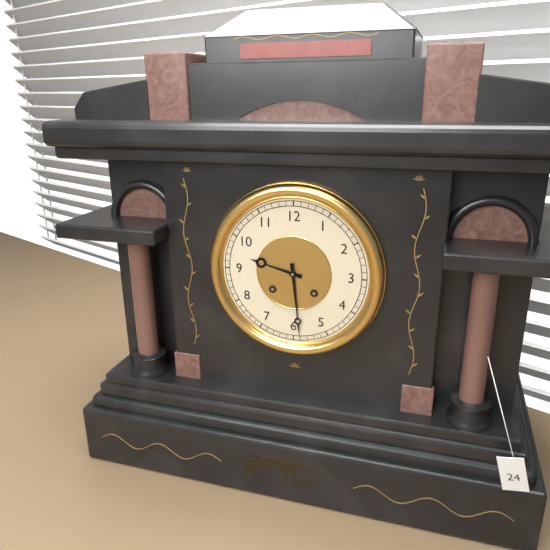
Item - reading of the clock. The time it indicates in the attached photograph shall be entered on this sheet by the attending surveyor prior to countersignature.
9:29
